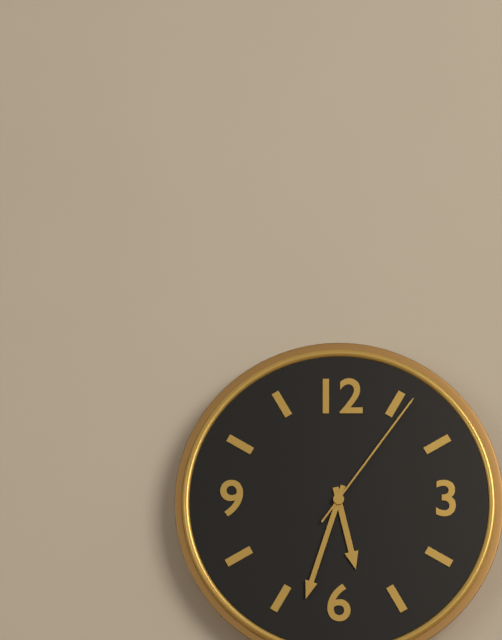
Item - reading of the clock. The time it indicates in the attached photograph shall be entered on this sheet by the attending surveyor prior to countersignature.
5:33:06
